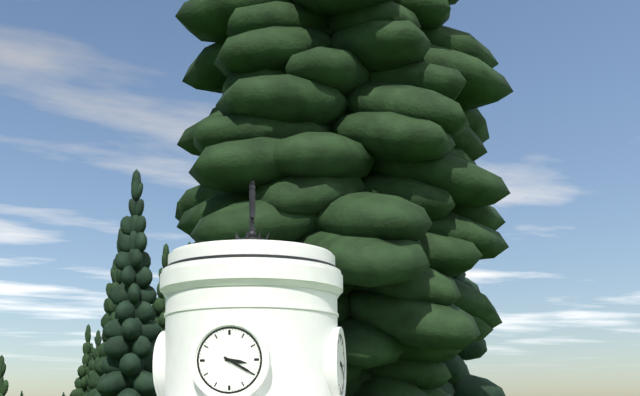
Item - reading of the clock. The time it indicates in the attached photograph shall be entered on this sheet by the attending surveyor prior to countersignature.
3:20
